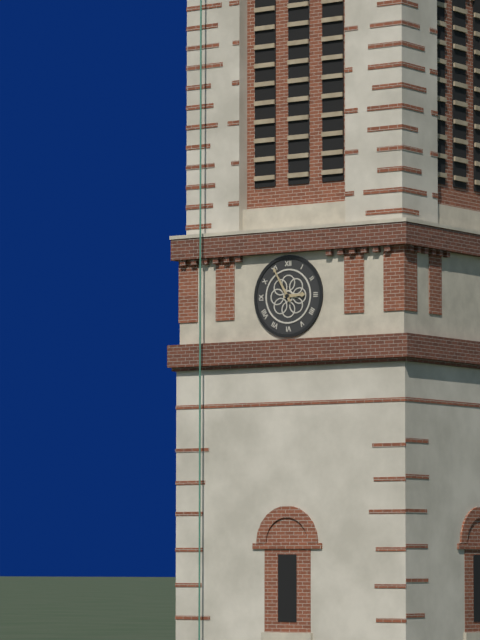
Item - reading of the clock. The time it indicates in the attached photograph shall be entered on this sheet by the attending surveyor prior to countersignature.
2:55
